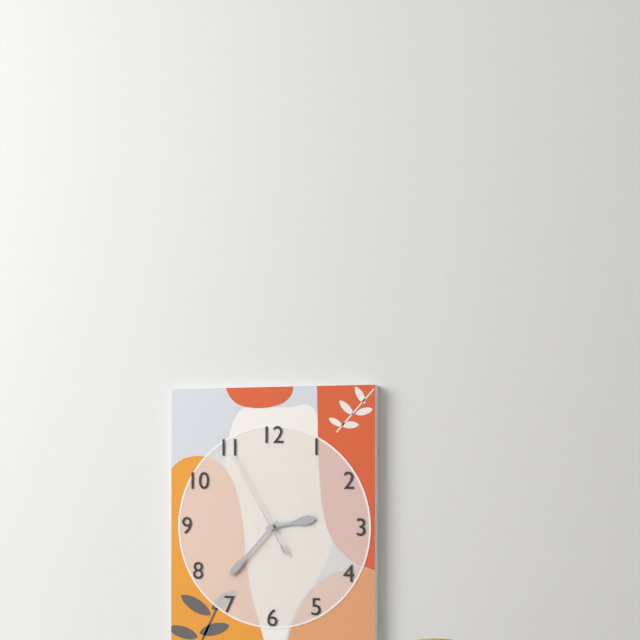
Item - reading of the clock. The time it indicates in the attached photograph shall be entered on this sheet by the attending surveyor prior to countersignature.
2:37:55
